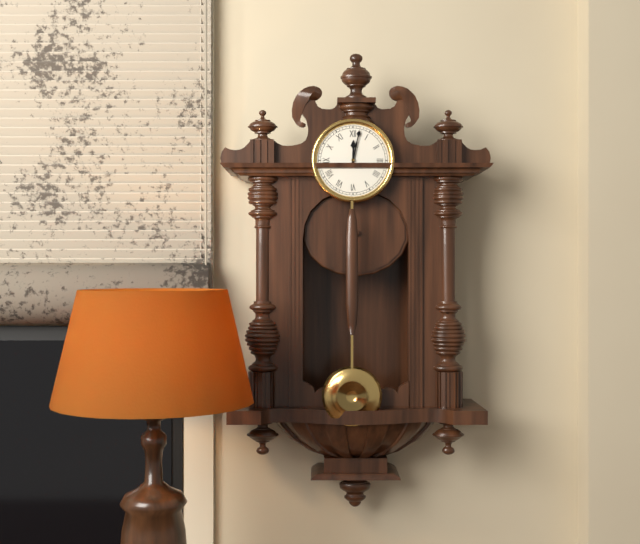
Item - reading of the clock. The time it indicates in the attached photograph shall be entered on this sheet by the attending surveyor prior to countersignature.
12:02
